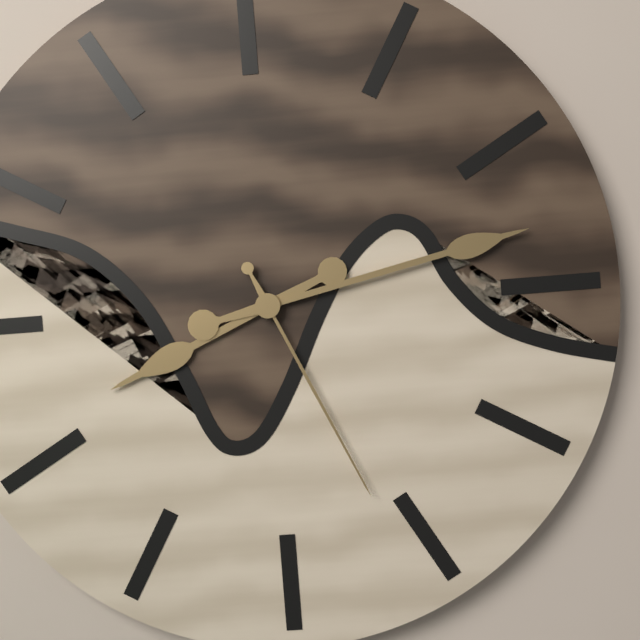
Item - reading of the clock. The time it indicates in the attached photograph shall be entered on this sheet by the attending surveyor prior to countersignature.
8:13:26
